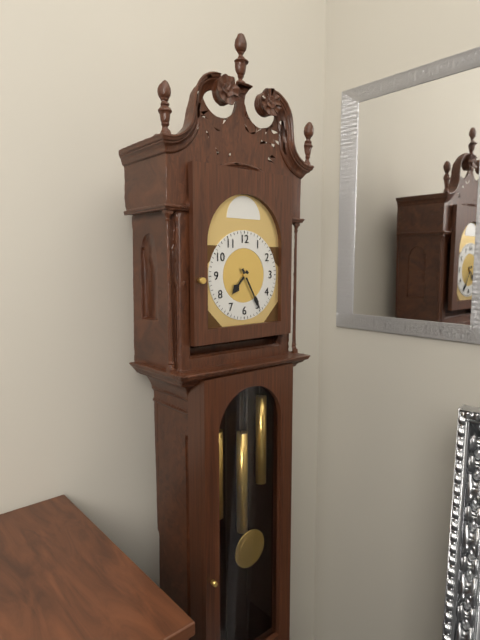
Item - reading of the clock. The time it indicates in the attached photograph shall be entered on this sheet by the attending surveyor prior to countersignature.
7:25
